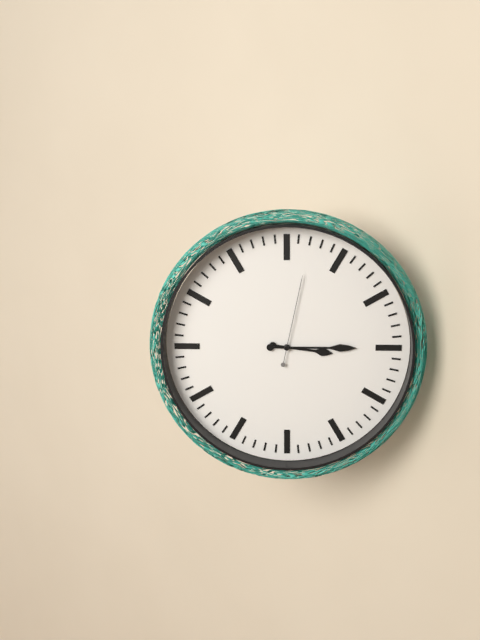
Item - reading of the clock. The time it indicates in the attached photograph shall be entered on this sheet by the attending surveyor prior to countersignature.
3:15:02
